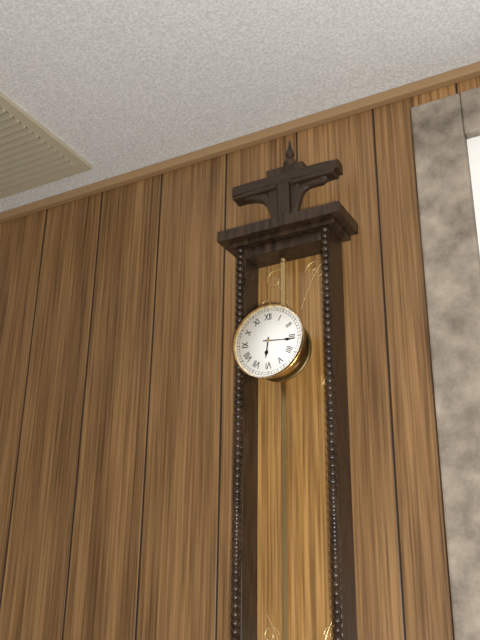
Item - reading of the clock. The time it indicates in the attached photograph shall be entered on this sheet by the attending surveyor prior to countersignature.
6:16
